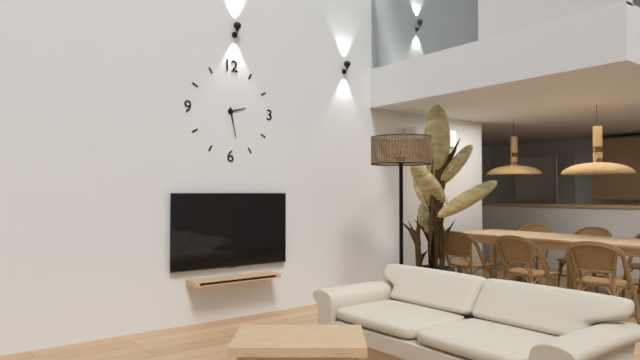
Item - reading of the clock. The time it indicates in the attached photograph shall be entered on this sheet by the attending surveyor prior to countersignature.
2:28
